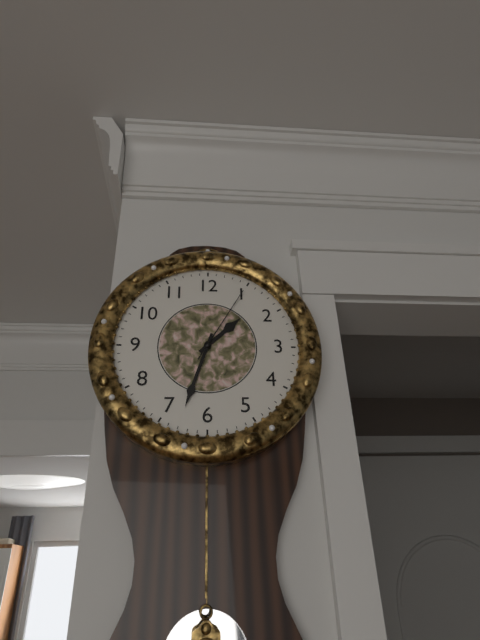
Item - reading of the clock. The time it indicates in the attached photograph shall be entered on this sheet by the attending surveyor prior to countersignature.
1:33:05
